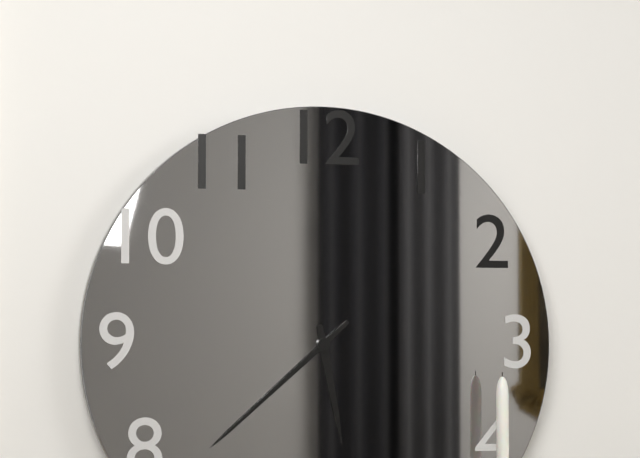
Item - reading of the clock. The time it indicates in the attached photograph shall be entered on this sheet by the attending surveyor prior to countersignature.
5:38
